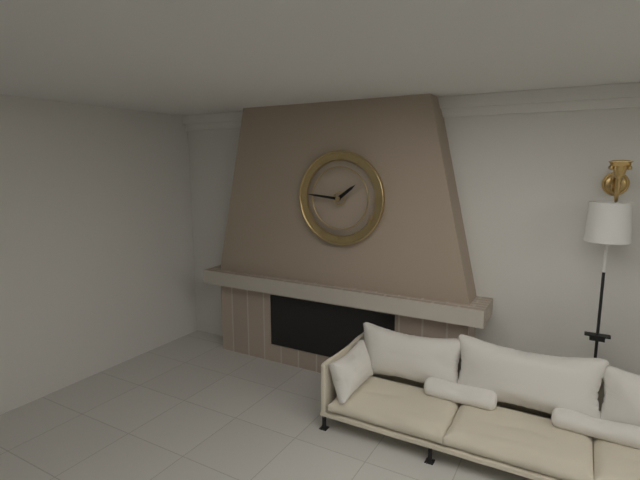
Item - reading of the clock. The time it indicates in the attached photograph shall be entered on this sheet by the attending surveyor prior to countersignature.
1:46
